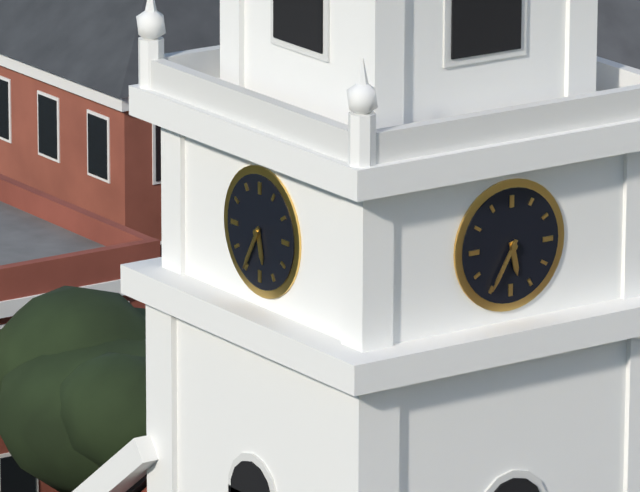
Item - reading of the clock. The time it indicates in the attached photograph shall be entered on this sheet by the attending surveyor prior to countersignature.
5:35
